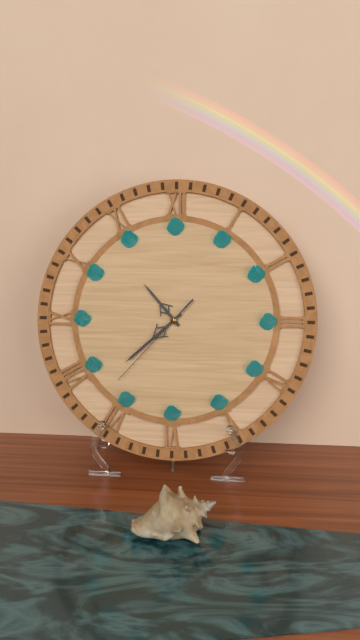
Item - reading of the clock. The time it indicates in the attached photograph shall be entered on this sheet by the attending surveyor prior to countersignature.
10:38:37
